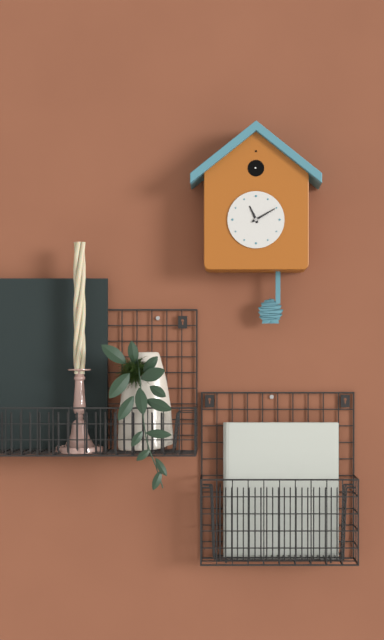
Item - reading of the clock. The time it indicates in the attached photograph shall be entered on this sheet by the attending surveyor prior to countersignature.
11:10
